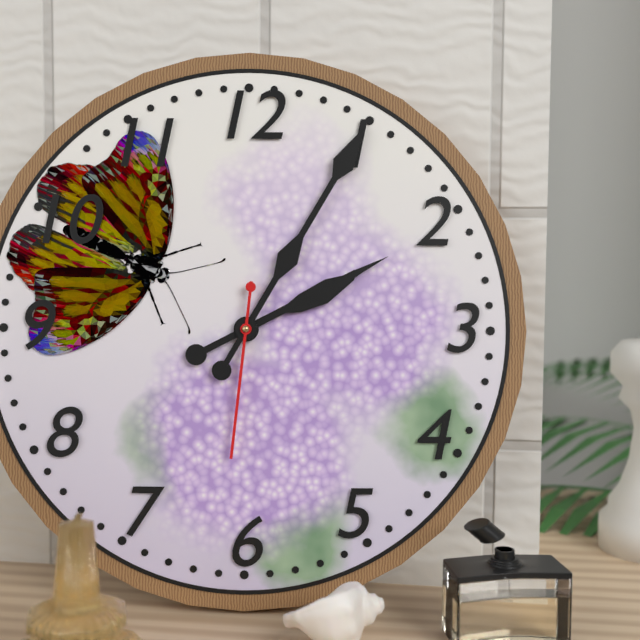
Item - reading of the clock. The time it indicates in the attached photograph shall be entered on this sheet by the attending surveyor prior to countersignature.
2:05:31
